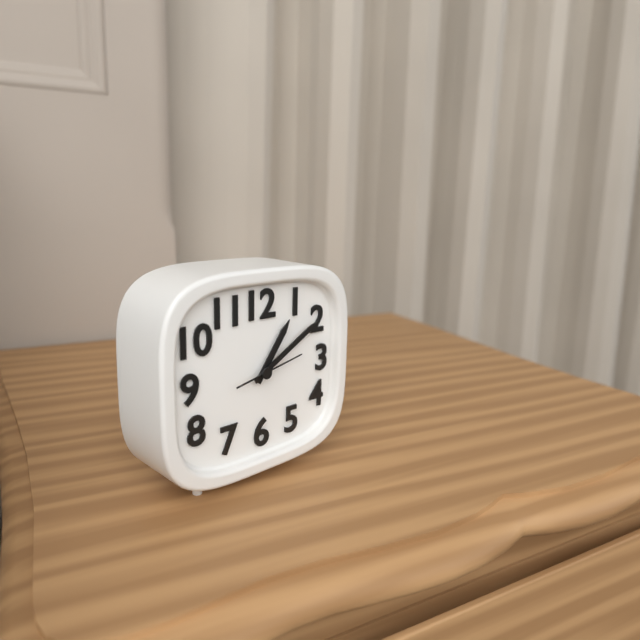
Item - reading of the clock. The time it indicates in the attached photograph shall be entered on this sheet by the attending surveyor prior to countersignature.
1:10:13
